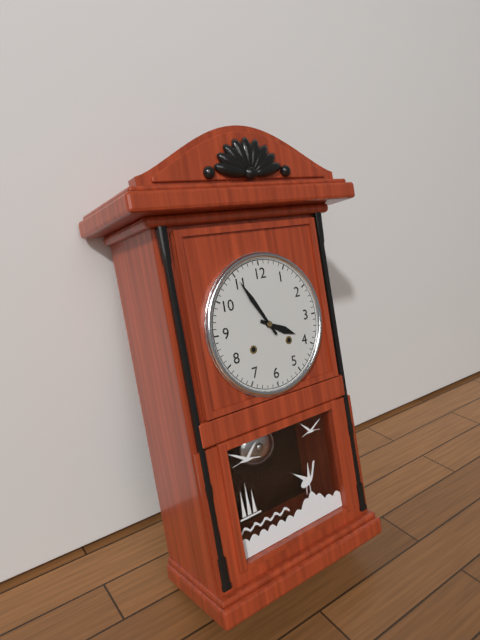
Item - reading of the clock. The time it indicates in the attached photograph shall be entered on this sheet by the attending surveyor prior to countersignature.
3:55
